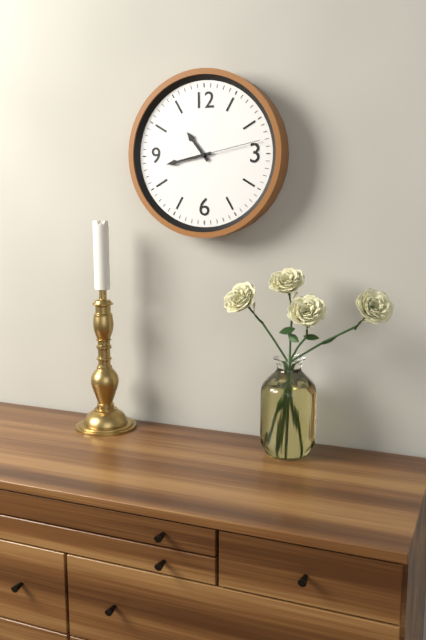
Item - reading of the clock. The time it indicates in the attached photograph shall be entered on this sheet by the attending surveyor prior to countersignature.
10:43:13
